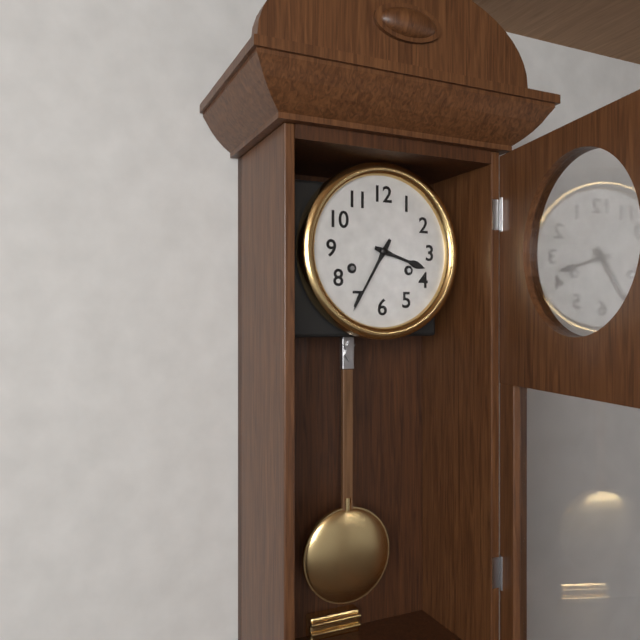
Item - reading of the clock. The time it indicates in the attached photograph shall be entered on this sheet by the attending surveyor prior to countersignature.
3:35
